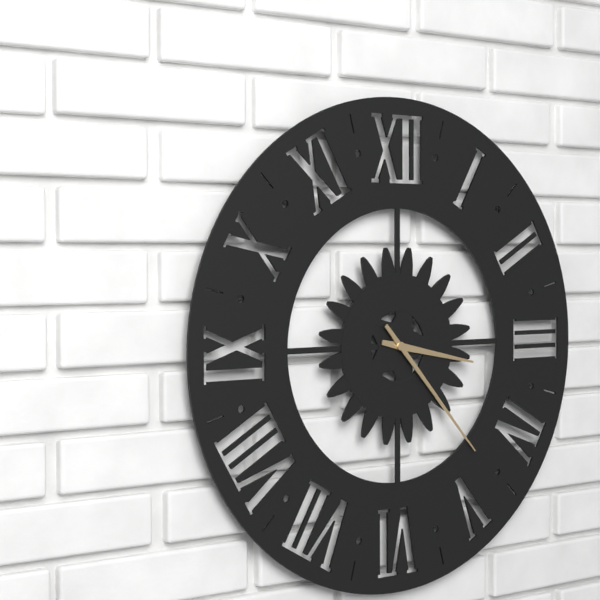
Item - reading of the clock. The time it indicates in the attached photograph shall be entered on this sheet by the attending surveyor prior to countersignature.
3:23
